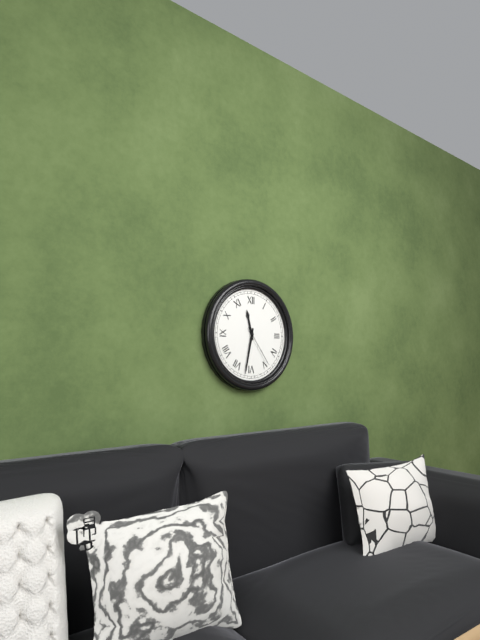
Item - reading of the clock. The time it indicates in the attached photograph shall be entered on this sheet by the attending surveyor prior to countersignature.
11:32
